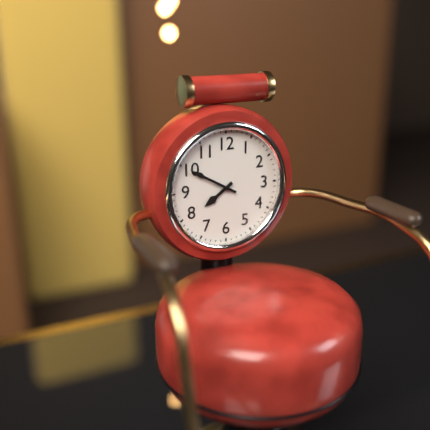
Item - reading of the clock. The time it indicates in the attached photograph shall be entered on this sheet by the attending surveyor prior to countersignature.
7:50
